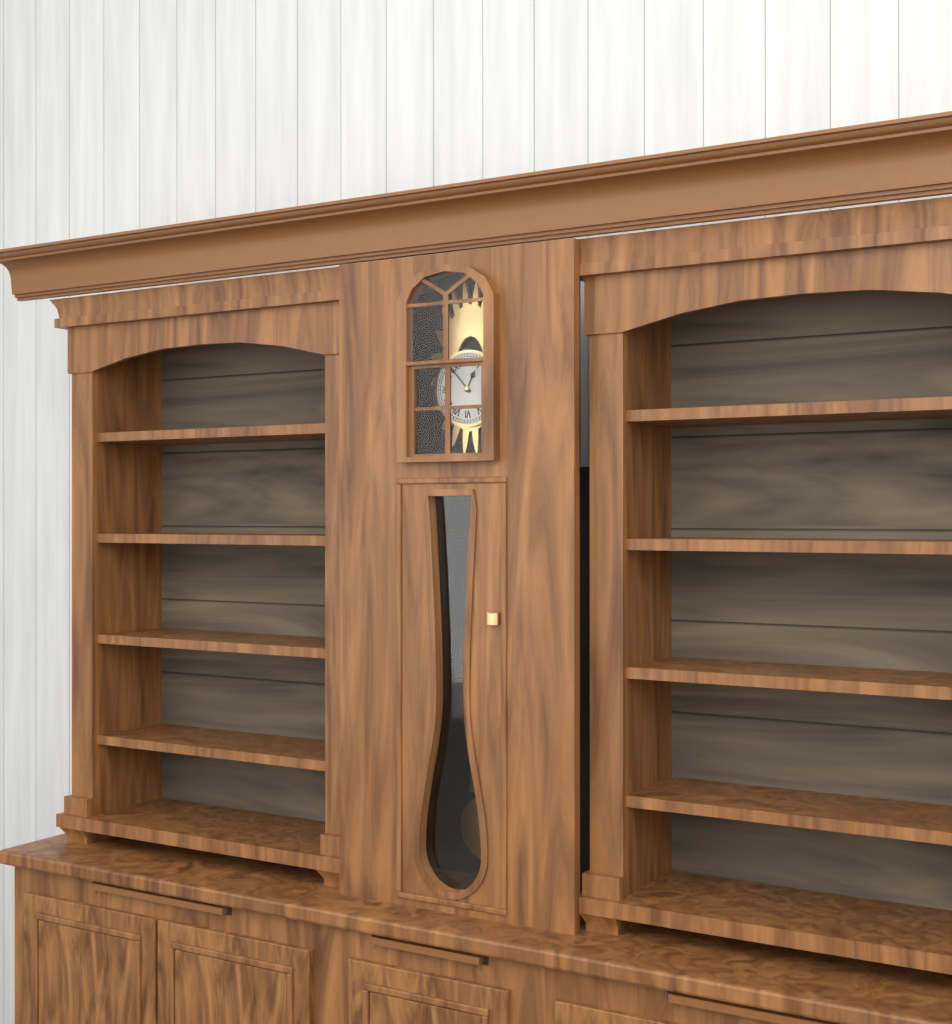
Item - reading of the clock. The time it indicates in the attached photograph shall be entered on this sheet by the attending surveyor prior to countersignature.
12:53
